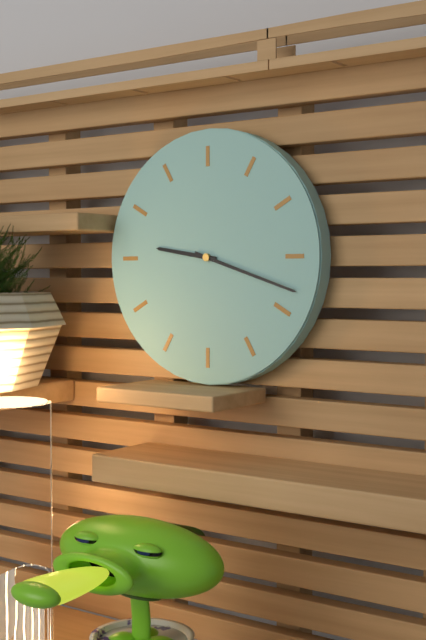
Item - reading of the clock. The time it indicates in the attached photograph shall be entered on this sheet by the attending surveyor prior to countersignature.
9:18
